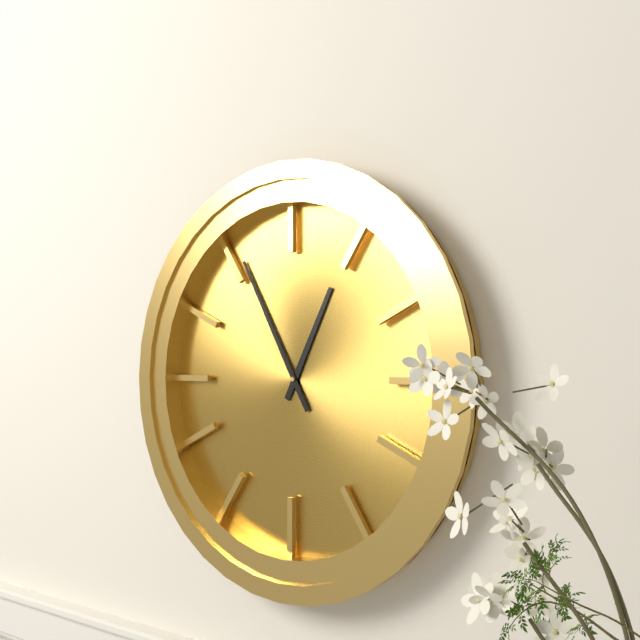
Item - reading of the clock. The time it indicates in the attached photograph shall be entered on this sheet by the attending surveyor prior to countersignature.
12:55
